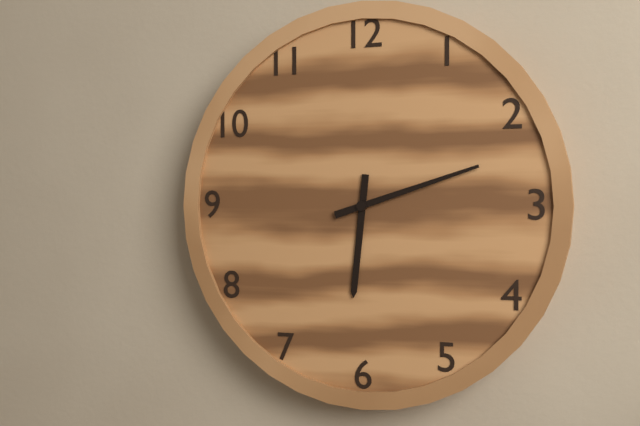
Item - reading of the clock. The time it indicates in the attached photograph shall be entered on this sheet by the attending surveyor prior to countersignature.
6:12
